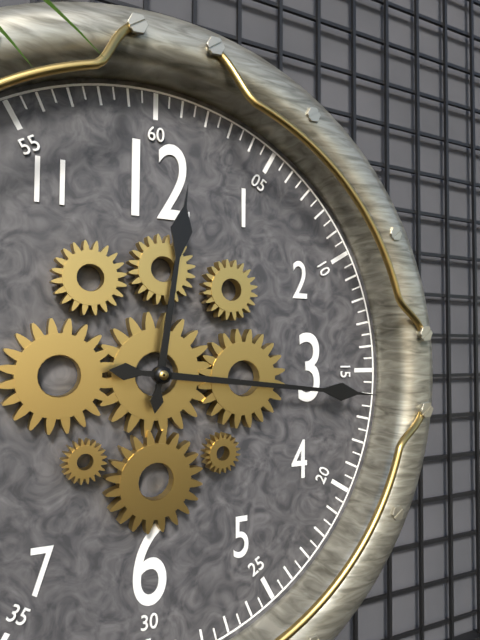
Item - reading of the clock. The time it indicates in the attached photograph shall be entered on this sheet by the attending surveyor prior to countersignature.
12:16
